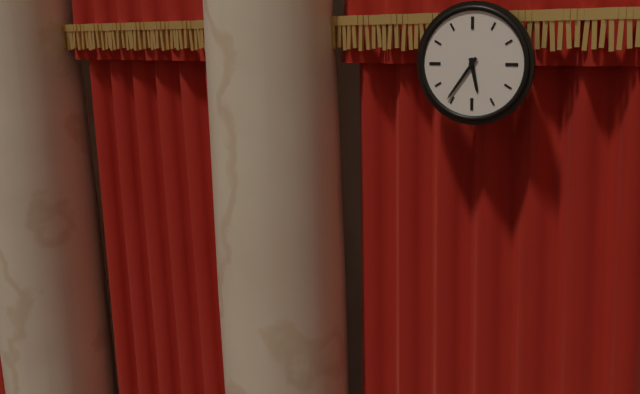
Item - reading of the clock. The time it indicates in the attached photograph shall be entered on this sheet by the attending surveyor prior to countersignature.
5:36
